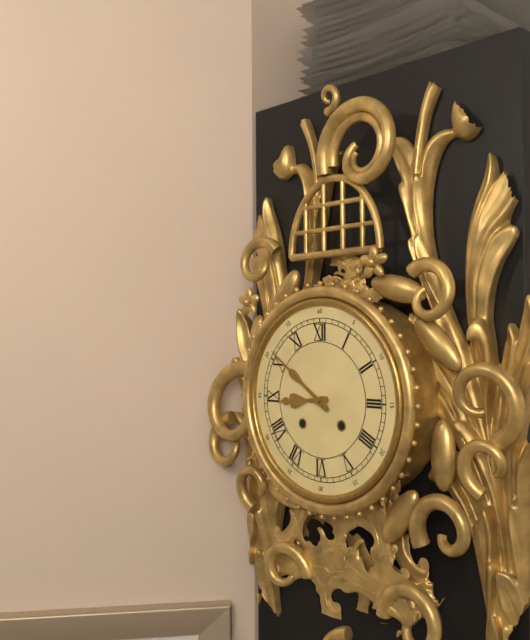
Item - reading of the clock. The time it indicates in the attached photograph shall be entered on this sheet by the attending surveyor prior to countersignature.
8:51
